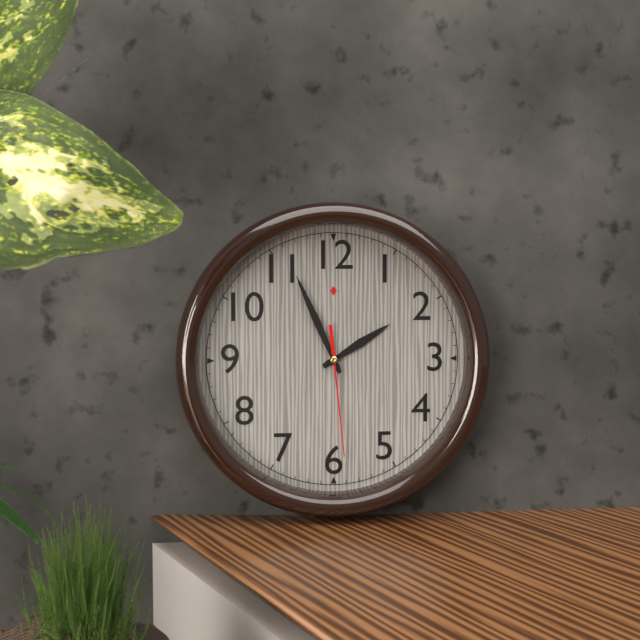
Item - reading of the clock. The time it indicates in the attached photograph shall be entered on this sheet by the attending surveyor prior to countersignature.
1:56:29
